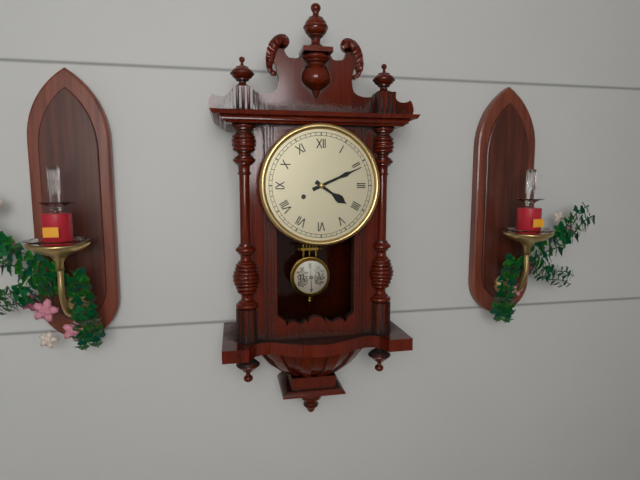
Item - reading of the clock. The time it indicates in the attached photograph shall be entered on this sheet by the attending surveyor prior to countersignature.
4:11
